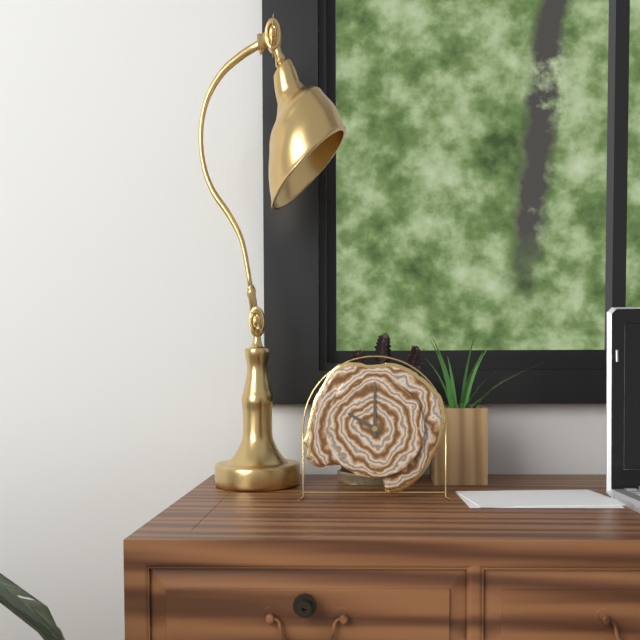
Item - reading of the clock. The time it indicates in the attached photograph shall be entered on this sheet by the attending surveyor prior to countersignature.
10:00
